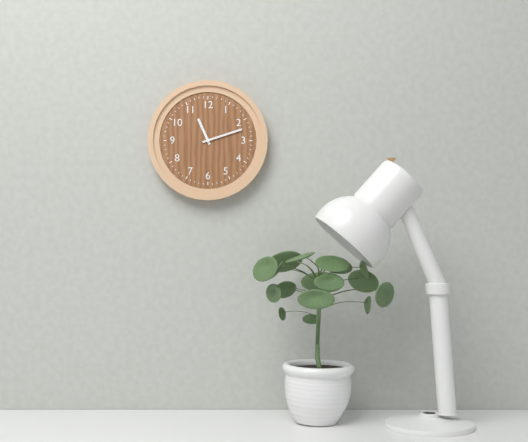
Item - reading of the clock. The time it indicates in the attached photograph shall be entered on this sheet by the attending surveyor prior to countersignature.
11:12
